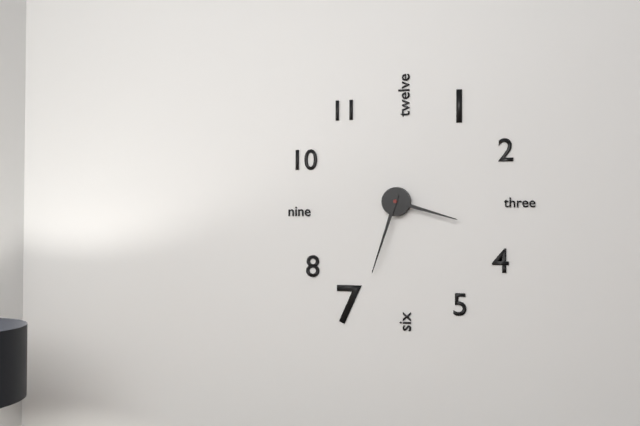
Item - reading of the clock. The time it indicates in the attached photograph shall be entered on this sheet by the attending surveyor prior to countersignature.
3:33
